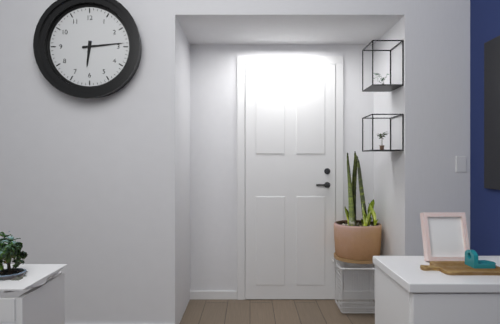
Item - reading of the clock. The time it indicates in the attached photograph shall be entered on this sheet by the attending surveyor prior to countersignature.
6:14
